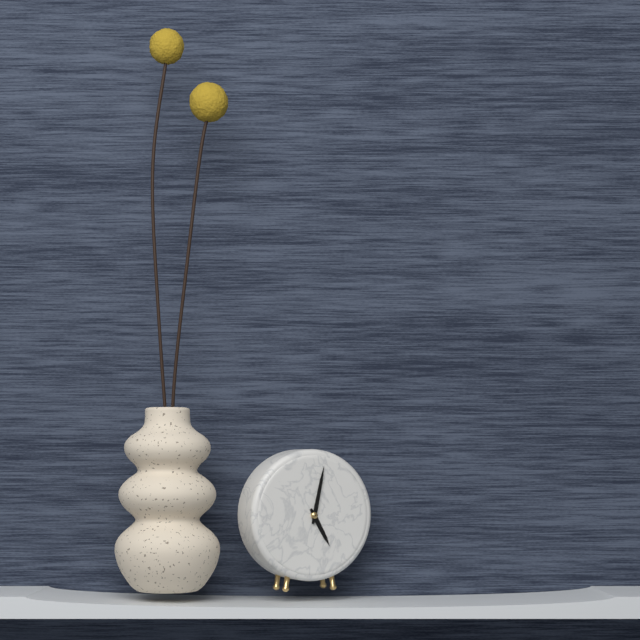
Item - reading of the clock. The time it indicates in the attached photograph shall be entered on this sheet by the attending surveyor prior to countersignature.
5:02
